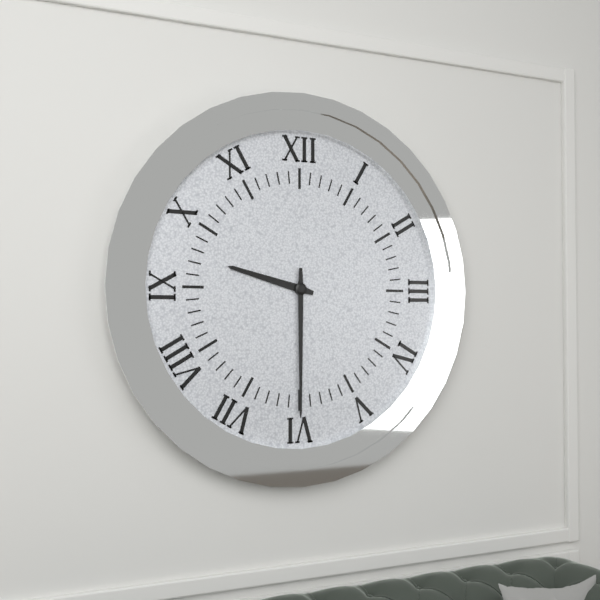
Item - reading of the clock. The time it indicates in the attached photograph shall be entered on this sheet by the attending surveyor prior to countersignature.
9:30
